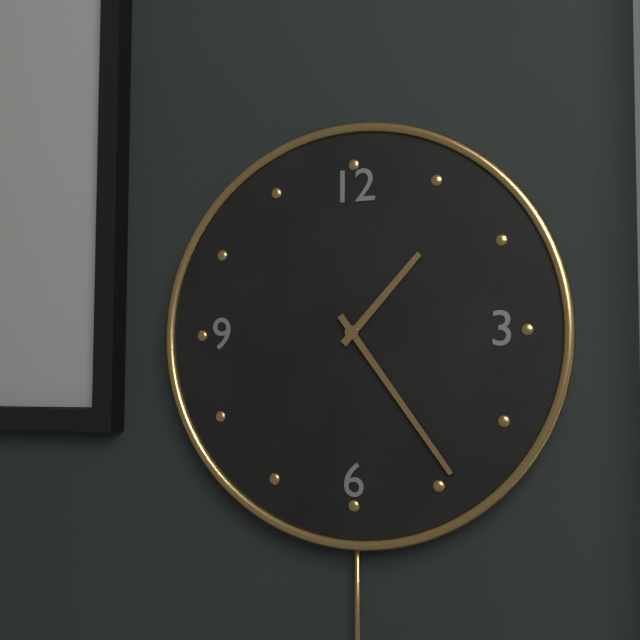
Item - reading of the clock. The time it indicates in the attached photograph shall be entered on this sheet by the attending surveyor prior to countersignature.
1:24
